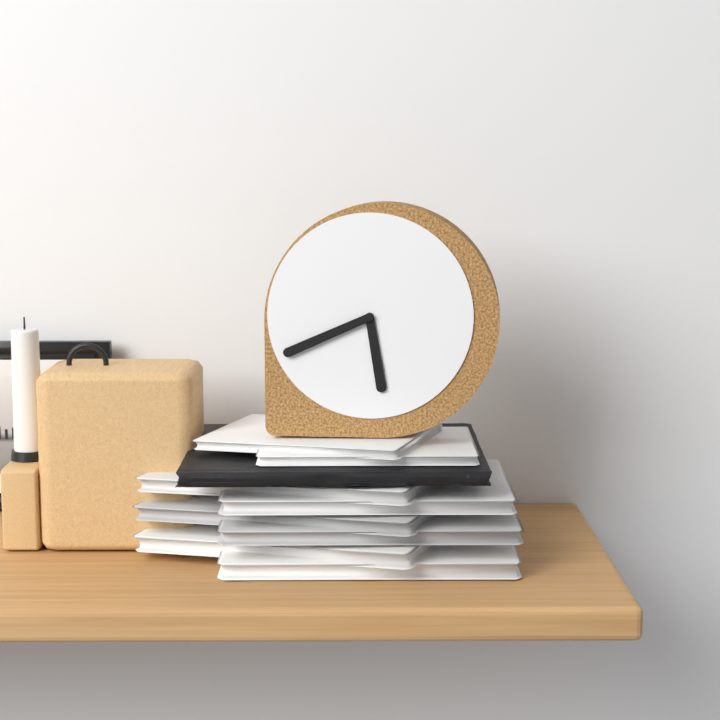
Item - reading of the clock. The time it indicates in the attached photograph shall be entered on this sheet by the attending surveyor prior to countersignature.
5:41
